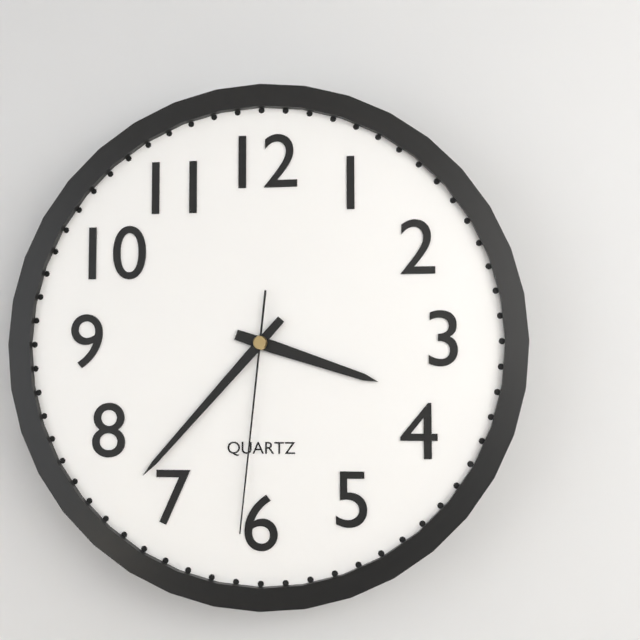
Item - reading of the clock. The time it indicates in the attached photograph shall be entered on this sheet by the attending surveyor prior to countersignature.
3:37:31
